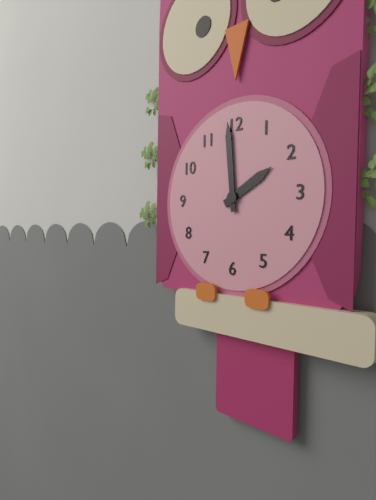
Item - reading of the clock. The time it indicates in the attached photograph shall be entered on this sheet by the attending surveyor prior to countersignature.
1:59
